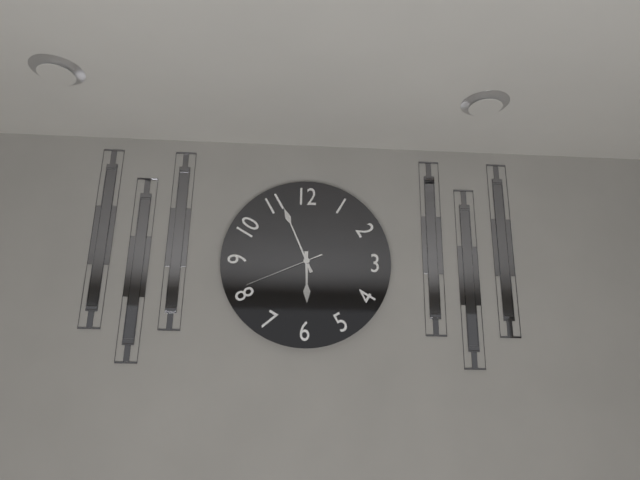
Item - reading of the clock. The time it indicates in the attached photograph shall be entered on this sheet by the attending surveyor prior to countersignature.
5:56:41
